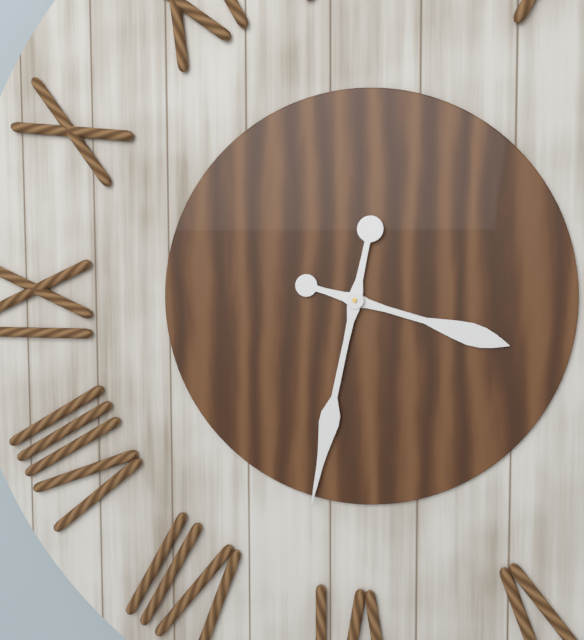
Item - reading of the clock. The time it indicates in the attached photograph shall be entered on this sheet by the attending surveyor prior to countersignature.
3:32
